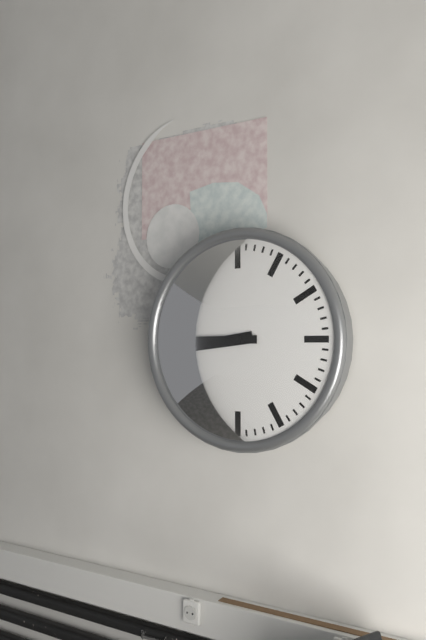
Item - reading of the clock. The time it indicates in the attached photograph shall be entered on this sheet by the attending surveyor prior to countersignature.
8:45
